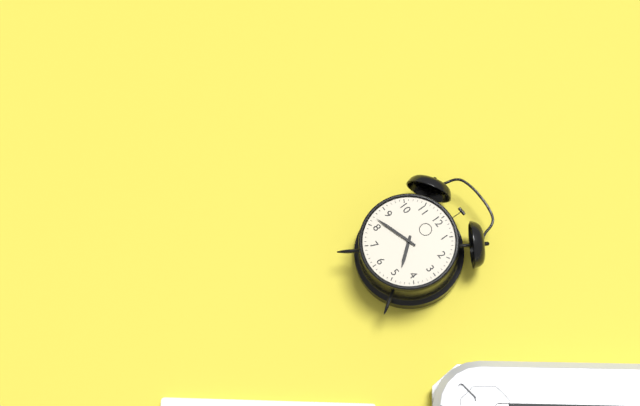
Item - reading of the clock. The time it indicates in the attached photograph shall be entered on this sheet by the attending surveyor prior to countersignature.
4:42
